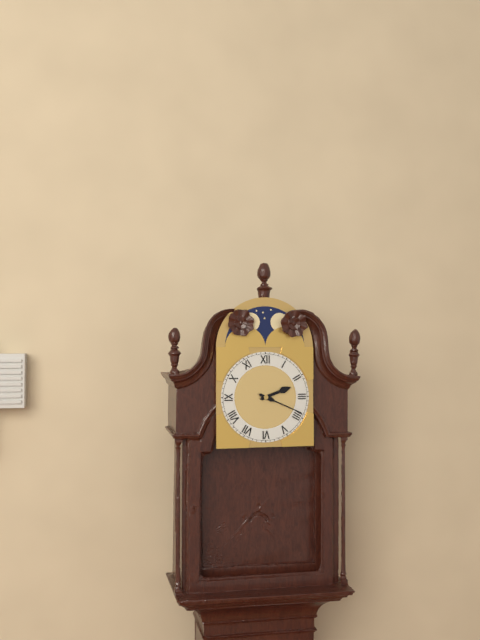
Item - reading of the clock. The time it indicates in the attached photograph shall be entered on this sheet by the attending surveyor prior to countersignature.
2:19
